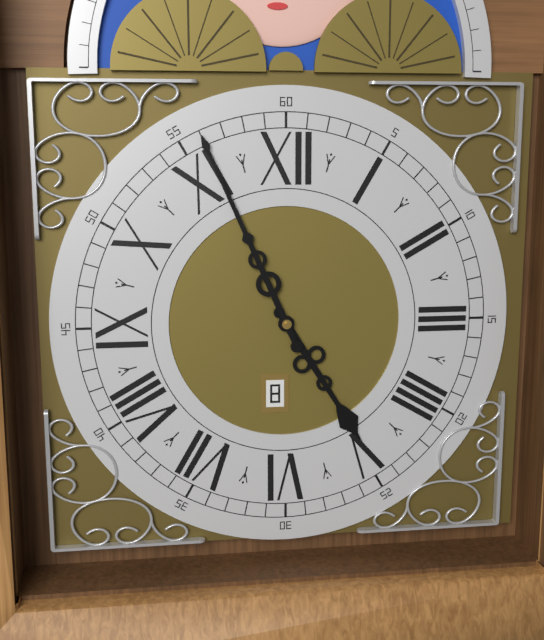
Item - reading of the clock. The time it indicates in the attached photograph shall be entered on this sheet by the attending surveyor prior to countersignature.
4:56
